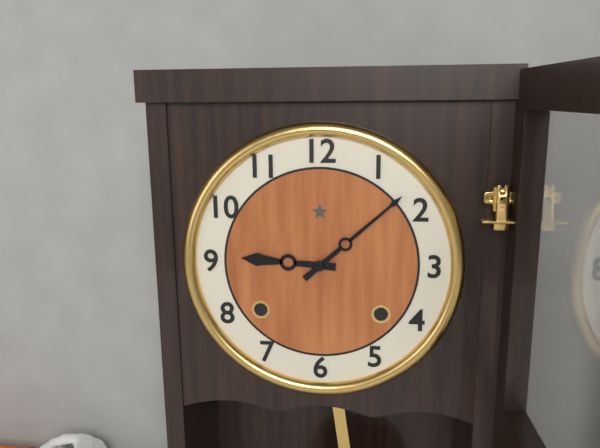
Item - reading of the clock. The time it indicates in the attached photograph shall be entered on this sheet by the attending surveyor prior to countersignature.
9:08
